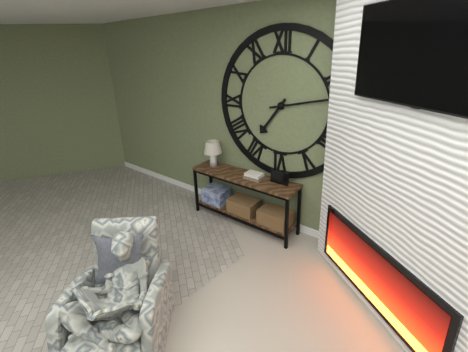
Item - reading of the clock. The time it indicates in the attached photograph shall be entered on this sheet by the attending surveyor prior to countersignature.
7:13
